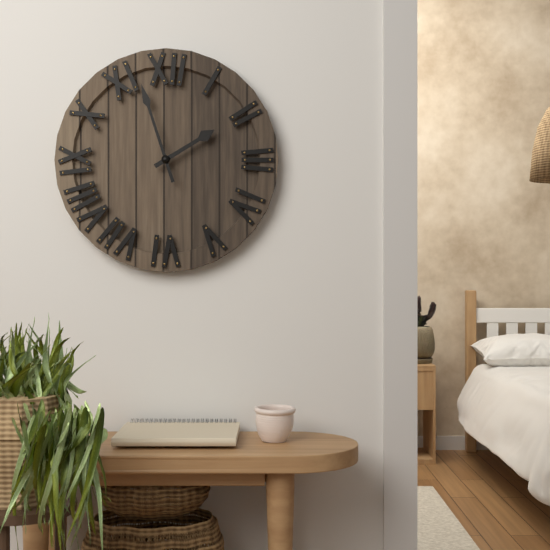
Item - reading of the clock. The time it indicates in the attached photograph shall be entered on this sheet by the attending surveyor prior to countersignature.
1:57
